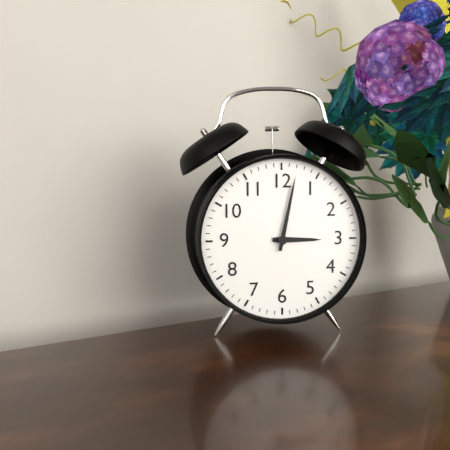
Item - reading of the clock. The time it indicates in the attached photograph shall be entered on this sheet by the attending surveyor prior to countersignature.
3:02
